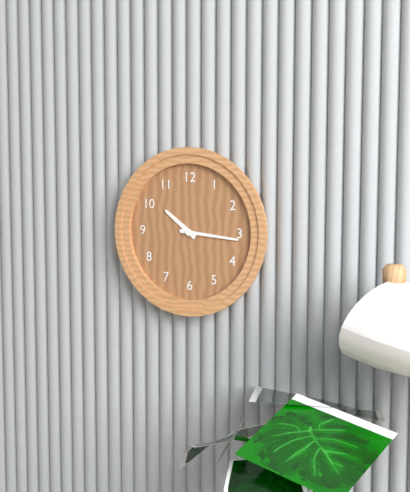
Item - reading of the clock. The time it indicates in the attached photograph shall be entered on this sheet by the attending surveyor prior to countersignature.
10:16
